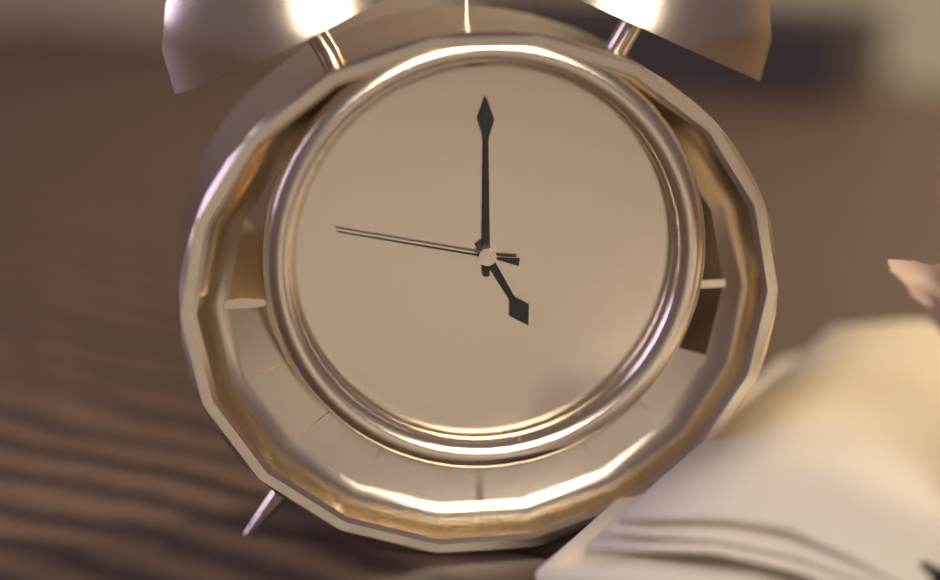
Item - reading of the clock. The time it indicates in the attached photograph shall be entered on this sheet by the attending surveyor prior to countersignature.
5:00:47
